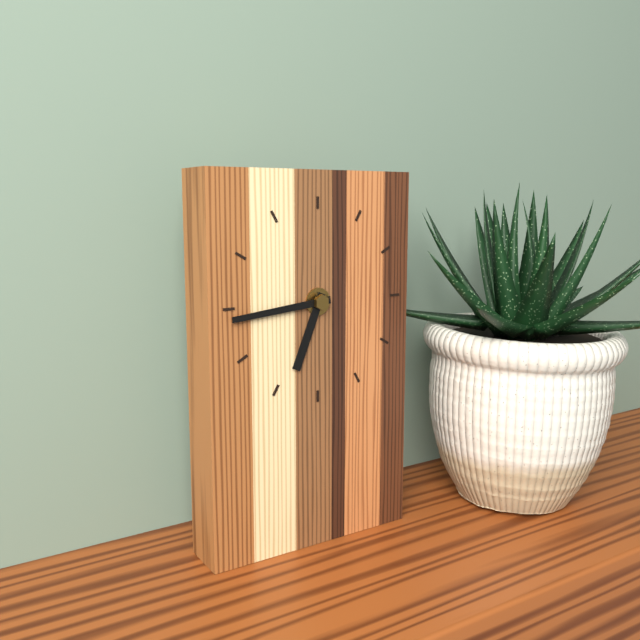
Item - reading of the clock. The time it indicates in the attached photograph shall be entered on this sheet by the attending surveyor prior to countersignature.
6:44
